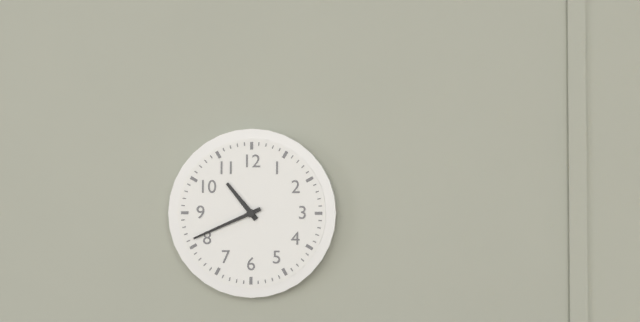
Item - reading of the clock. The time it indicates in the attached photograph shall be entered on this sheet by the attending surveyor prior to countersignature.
10:41
